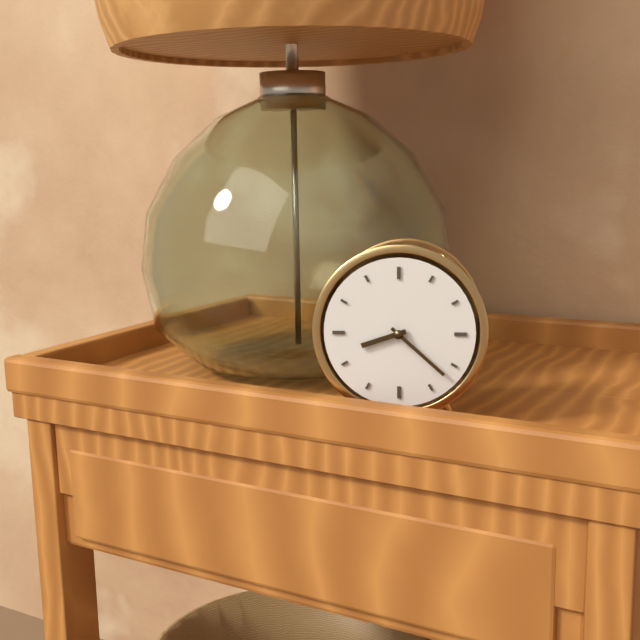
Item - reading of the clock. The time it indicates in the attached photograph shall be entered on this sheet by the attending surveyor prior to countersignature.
8:22
